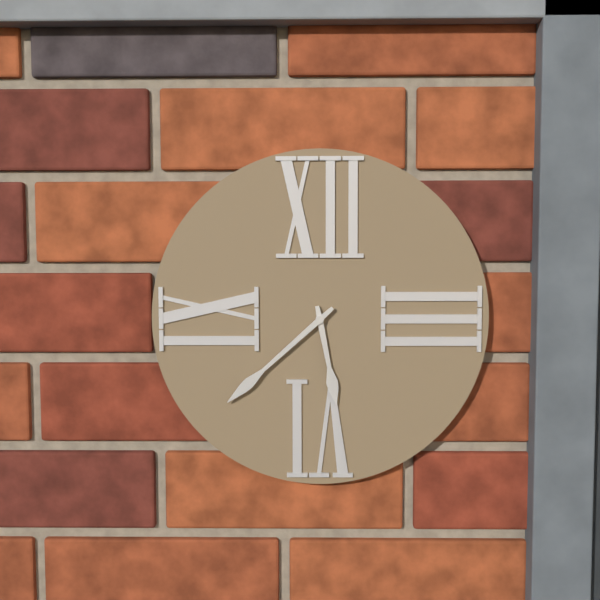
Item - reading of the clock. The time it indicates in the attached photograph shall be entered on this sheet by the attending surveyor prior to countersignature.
5:38
